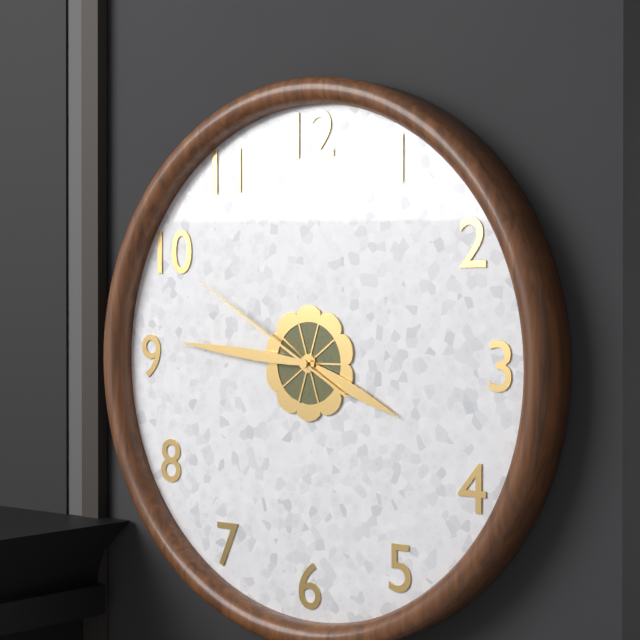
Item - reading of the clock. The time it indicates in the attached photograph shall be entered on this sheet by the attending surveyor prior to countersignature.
3:46:50
